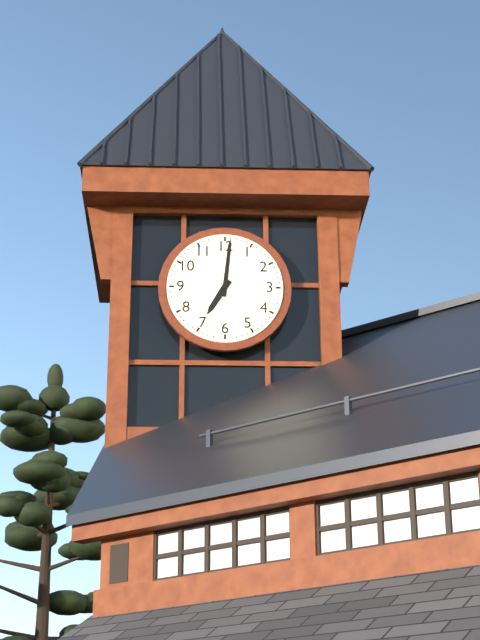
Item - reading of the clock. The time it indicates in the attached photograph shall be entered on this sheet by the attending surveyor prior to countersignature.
7:01
